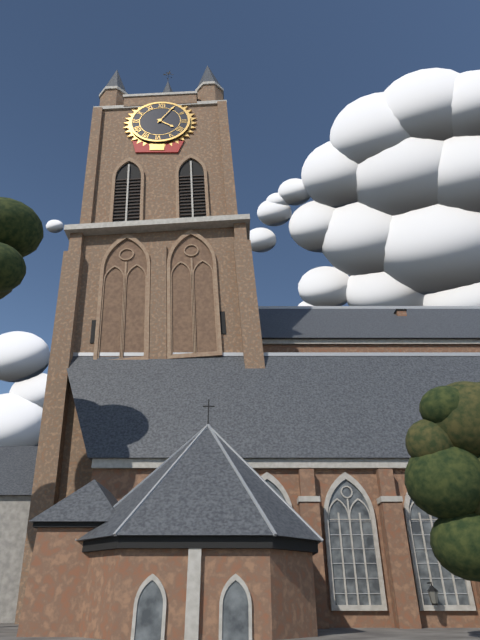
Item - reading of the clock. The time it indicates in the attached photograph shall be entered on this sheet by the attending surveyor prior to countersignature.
4:05
